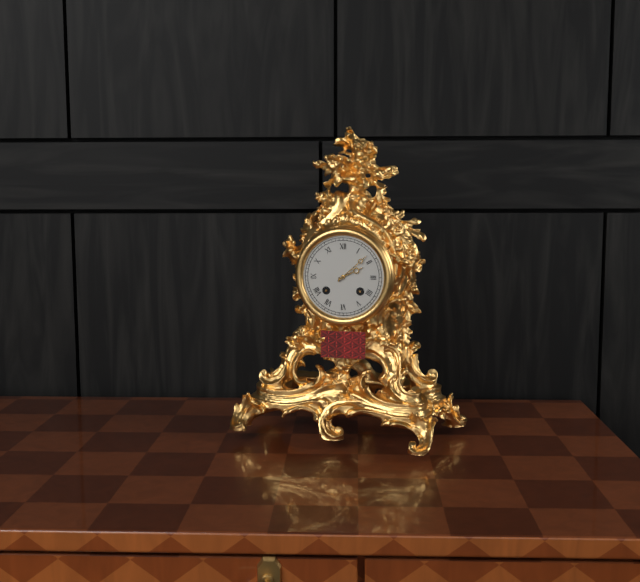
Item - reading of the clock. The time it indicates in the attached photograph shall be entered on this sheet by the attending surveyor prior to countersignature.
2:08
